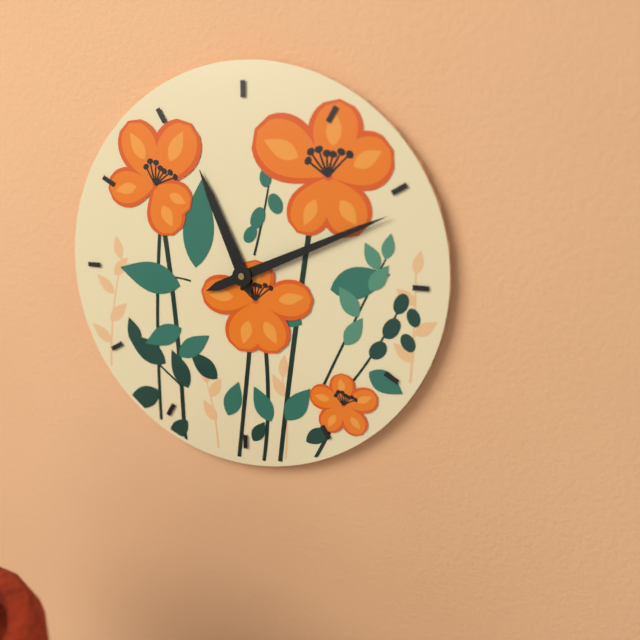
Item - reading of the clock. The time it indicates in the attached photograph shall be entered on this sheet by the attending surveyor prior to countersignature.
11:11
